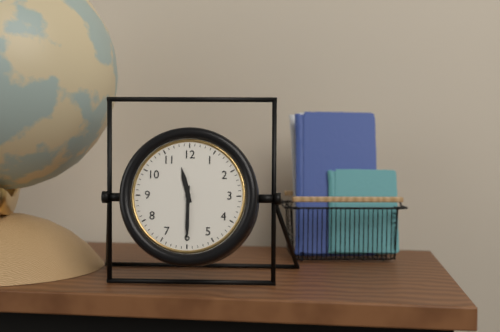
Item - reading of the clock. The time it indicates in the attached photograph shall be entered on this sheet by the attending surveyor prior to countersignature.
11:30
